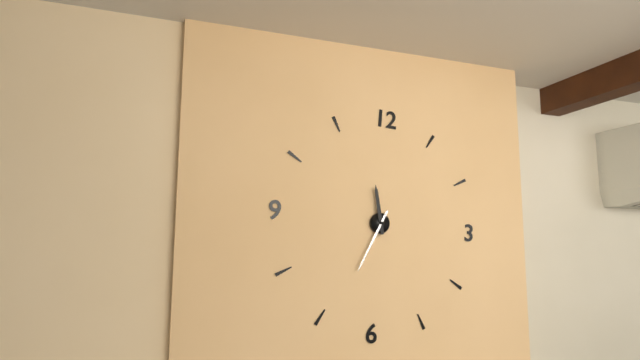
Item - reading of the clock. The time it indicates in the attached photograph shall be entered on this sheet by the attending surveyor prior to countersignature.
11:34
